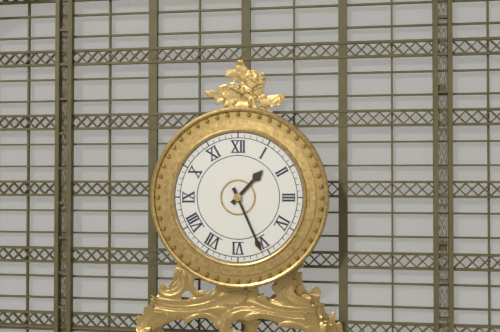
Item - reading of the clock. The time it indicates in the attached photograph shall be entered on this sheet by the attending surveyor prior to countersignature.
1:26
